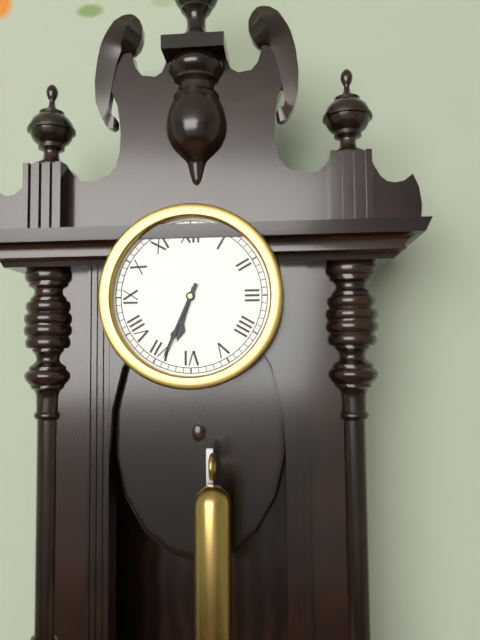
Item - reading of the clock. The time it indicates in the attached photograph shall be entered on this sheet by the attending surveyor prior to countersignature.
6:34
